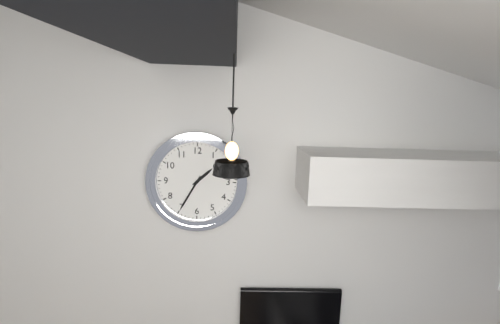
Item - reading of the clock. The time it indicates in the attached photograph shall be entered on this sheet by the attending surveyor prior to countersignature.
1:35
